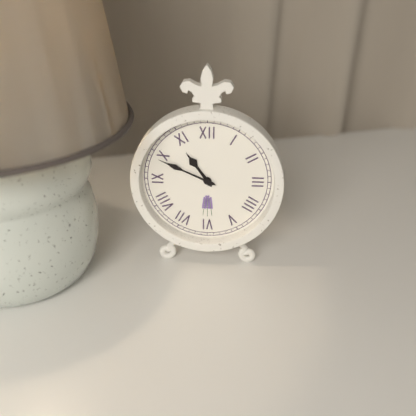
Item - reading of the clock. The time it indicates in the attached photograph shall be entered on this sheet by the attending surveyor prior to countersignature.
10:49
